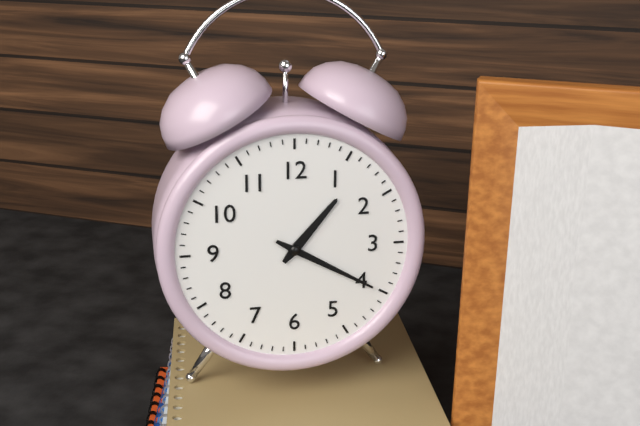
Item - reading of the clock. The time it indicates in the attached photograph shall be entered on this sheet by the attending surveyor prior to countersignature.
1:20
